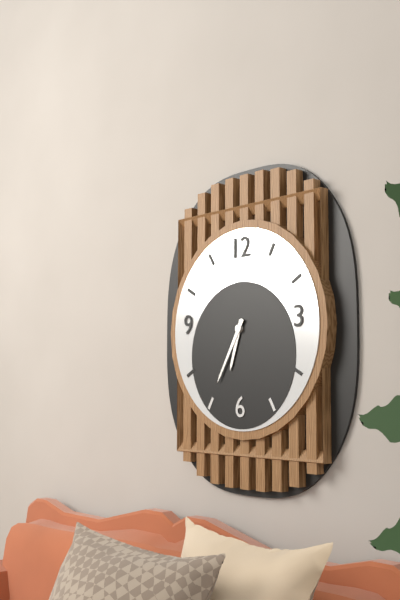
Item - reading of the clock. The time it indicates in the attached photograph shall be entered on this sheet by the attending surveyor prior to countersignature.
6:35
